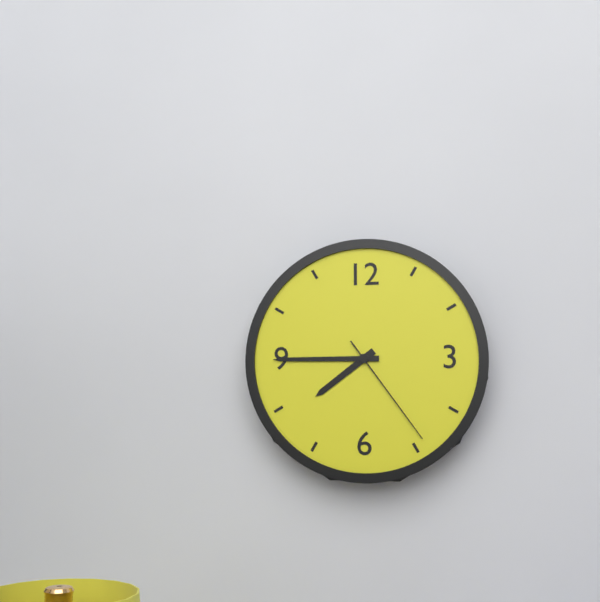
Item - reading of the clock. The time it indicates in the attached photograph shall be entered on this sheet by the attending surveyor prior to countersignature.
7:45:24
